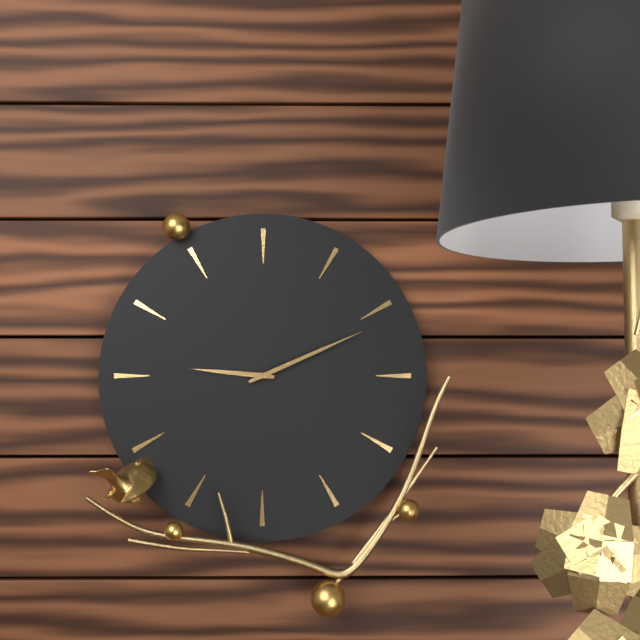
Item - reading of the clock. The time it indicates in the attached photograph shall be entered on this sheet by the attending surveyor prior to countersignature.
9:11
